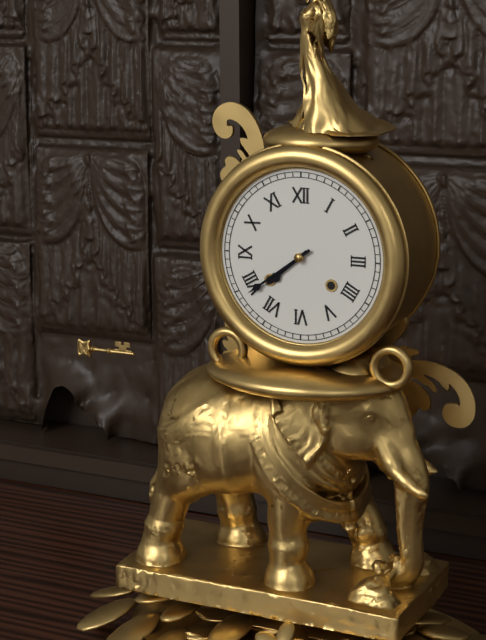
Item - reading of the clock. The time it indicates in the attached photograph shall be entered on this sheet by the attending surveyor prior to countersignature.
7:39
